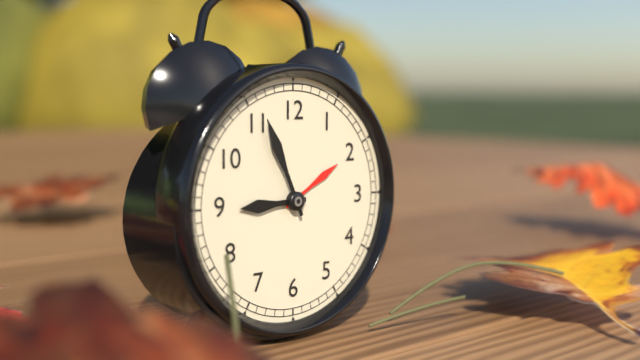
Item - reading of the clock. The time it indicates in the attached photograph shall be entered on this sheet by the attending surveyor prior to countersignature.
8:56
